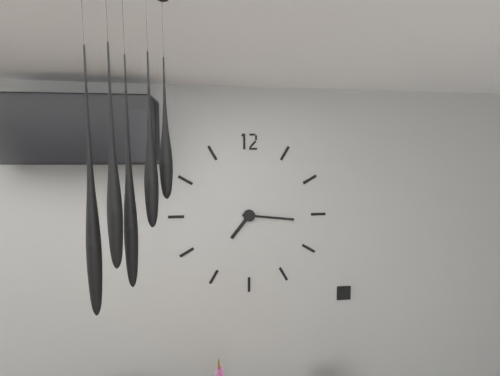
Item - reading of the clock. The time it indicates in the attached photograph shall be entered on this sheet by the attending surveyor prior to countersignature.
7:16
